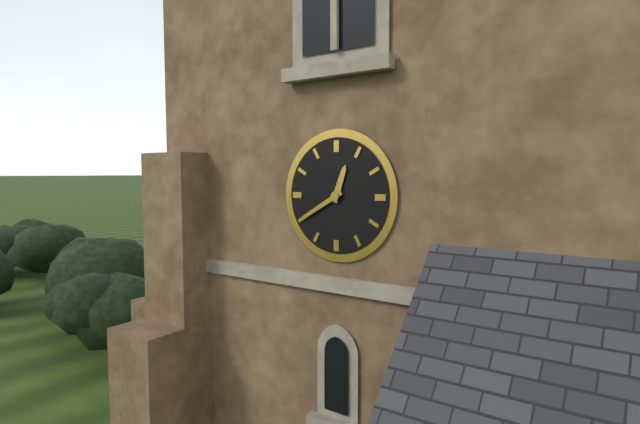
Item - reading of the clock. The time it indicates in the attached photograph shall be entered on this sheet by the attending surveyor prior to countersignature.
12:40
